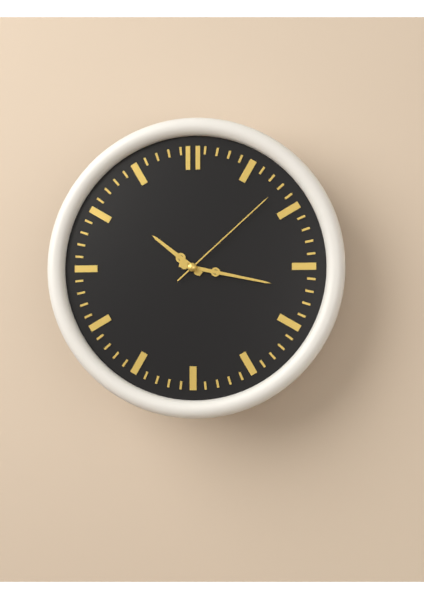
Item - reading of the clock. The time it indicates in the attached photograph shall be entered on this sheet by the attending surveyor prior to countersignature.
10:17:08
